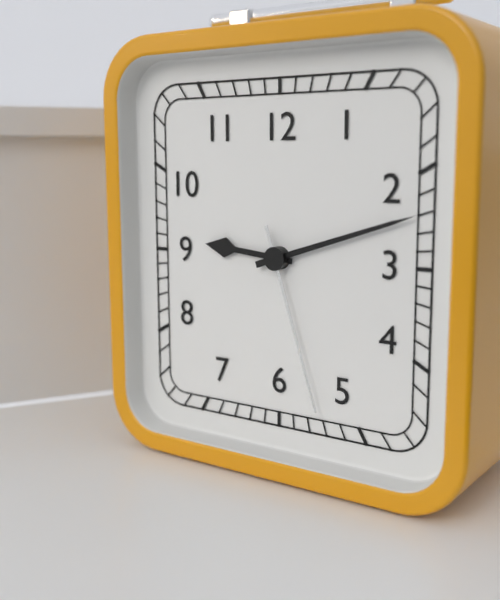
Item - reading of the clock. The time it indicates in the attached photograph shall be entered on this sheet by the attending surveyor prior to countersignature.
9:12:27
